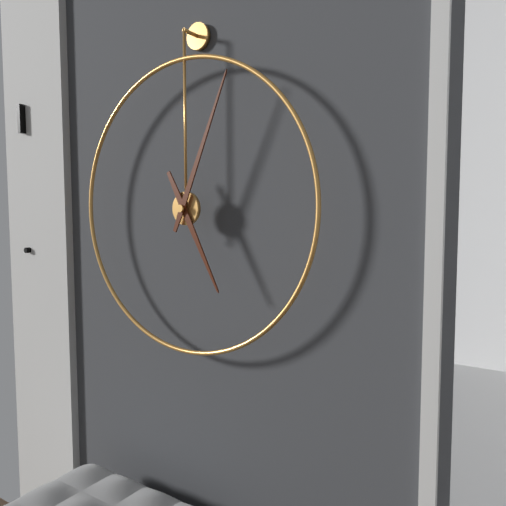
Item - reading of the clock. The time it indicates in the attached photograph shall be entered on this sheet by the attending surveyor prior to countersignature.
5:04
